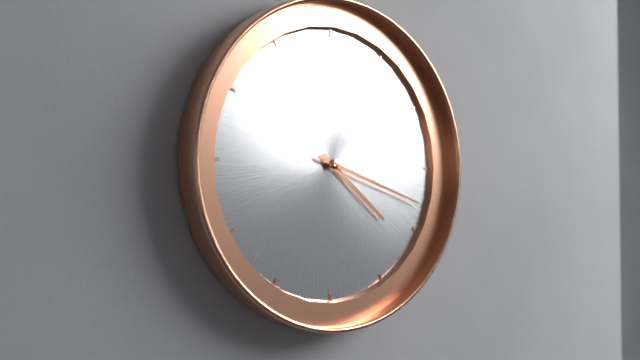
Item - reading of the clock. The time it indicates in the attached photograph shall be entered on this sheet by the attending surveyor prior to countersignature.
4:18
